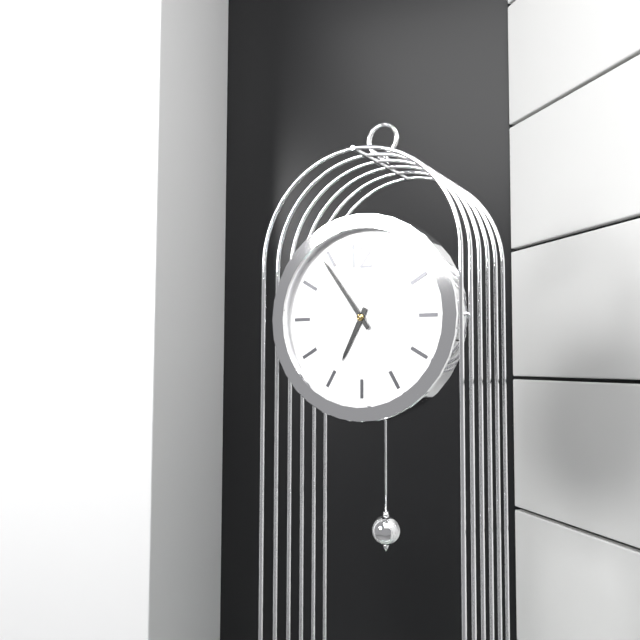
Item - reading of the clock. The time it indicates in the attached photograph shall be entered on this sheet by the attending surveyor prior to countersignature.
6:54
